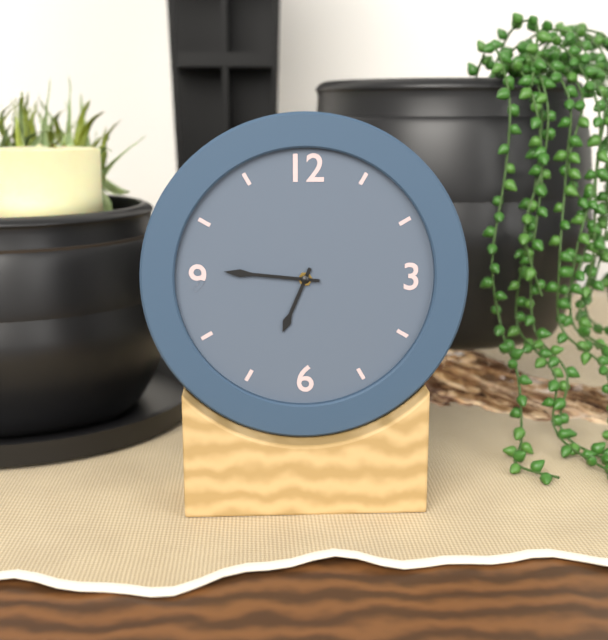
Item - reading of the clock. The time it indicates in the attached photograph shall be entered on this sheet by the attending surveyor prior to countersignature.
6:46
